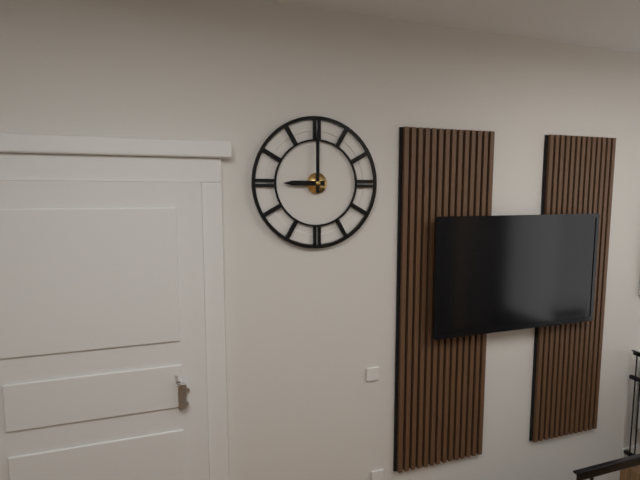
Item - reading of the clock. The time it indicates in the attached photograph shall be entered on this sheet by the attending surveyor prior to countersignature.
9:00
